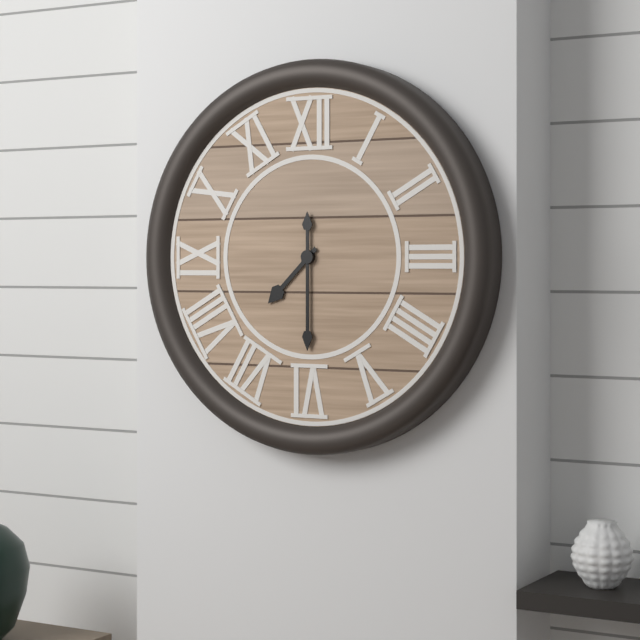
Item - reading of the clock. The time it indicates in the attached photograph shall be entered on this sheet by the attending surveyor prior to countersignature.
7:30
